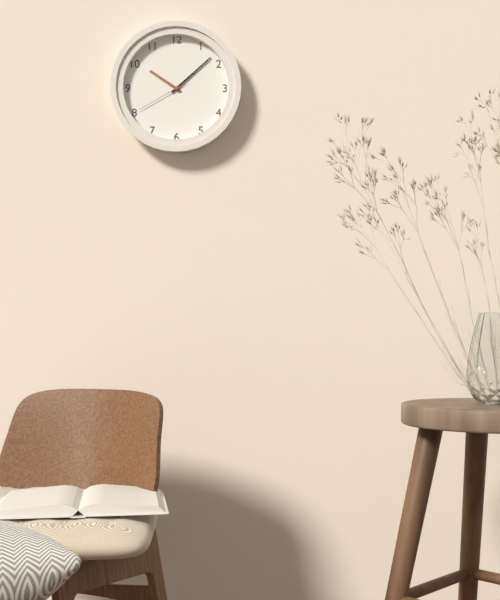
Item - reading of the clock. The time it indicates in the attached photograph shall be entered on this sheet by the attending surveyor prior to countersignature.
10:08:40
